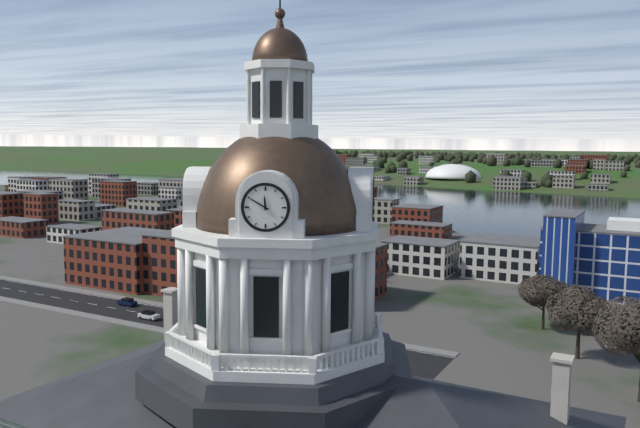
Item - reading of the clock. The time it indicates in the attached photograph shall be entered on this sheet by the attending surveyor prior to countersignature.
11:50
